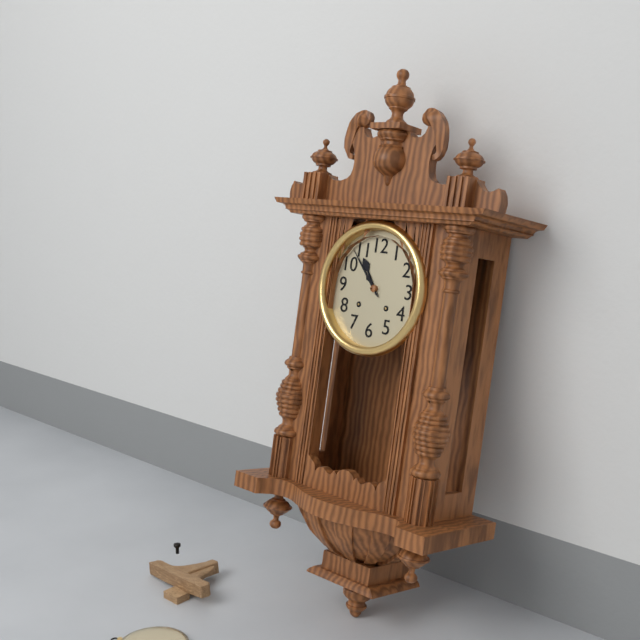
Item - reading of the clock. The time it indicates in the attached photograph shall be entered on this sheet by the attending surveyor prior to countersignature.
10:53
